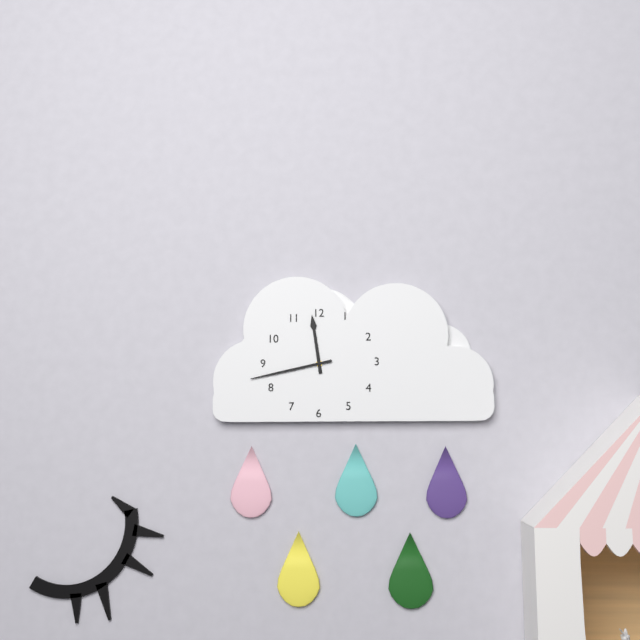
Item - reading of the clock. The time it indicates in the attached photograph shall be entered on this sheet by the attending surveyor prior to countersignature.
11:43
